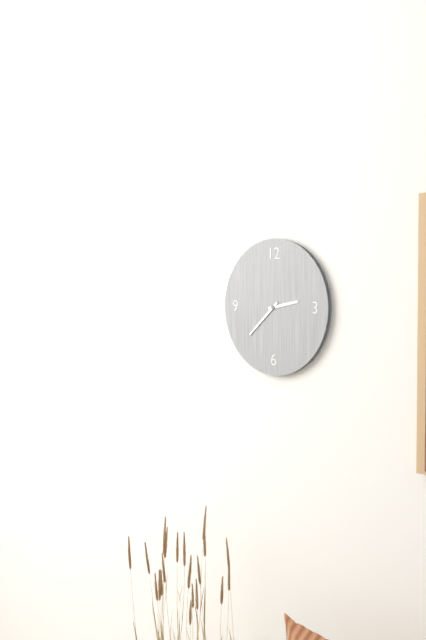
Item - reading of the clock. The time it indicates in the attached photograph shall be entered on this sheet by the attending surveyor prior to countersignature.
2:38
